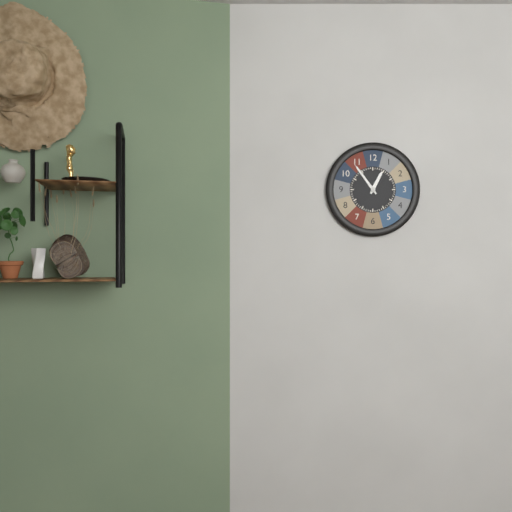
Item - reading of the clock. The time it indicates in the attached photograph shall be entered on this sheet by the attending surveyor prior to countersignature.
12:54
